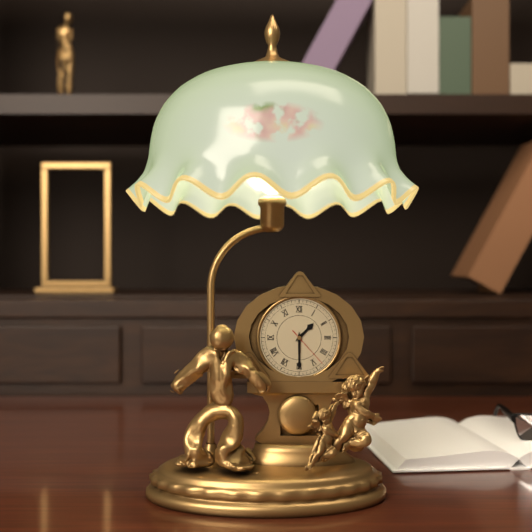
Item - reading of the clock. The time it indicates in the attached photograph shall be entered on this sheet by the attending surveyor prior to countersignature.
1:30
